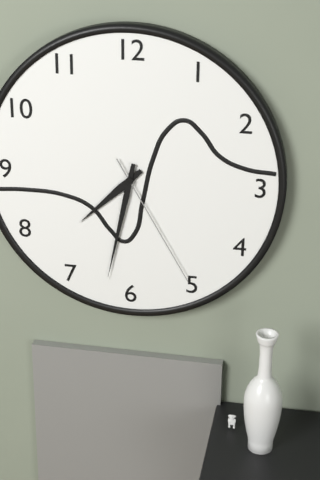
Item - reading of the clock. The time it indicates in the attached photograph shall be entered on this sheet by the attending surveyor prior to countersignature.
7:32:25
